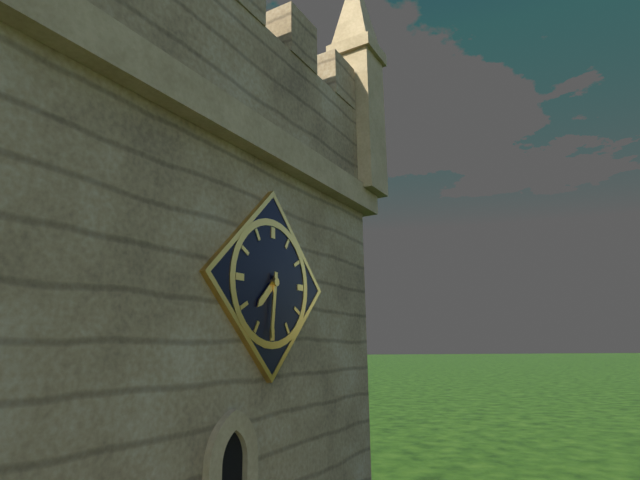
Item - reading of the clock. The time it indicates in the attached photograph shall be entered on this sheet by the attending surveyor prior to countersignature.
7:31
